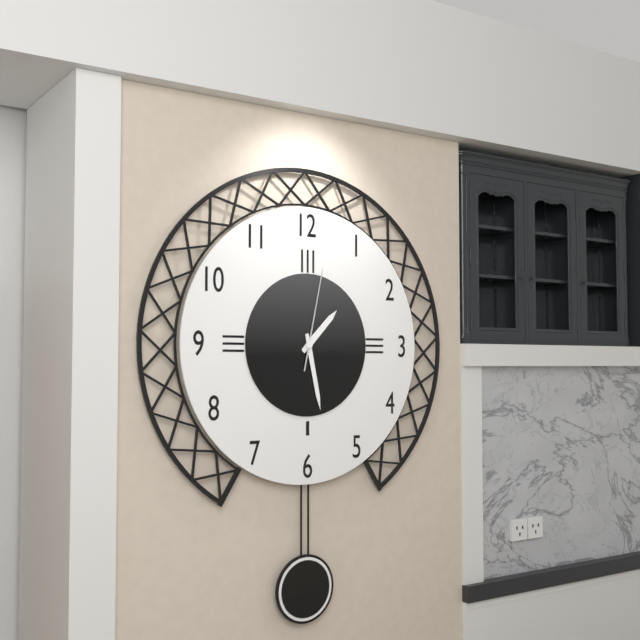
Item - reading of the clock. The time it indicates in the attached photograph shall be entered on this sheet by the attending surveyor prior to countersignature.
1:28:02
